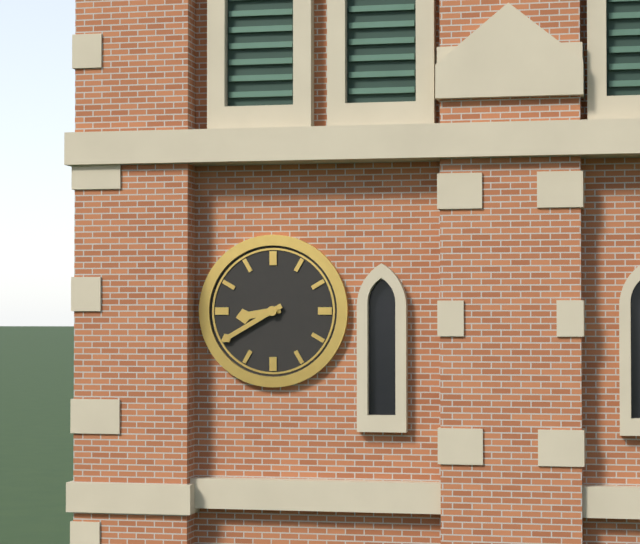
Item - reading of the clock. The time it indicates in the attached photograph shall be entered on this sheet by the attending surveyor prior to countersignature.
8:40
